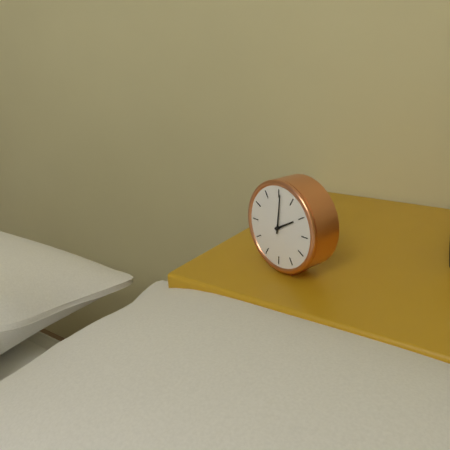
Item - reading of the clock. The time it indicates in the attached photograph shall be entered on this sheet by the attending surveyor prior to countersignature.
2:01
